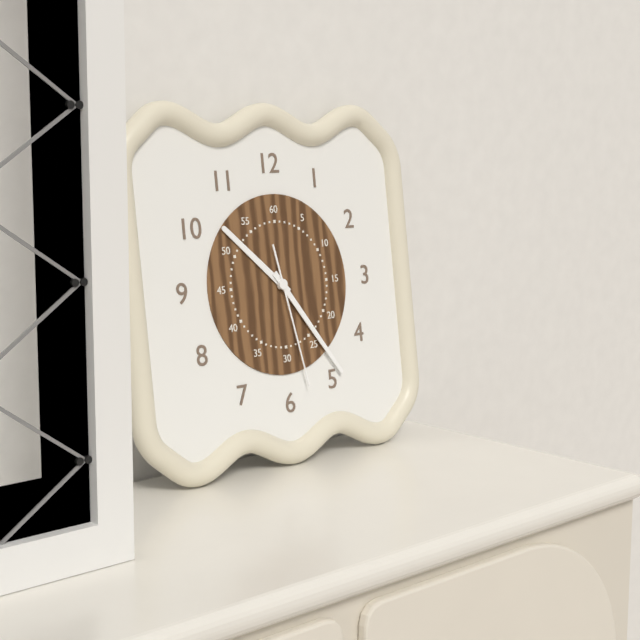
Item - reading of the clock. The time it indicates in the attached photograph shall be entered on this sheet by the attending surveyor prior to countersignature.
10:24:28
